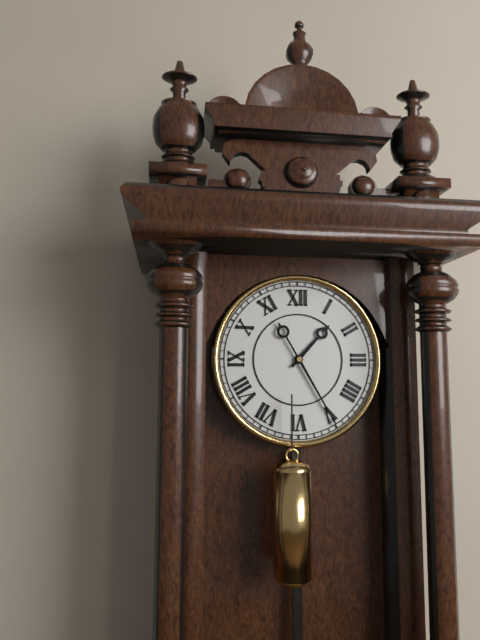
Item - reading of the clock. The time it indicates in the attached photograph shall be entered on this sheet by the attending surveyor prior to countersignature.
1:25
